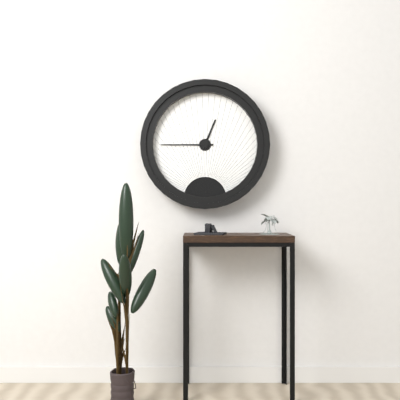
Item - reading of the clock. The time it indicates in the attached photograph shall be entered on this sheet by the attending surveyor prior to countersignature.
12:45
